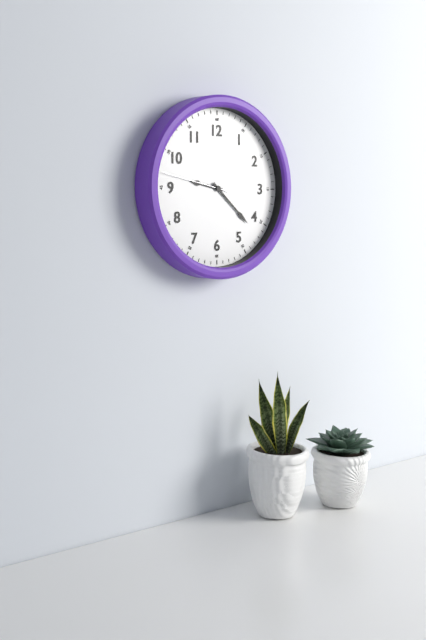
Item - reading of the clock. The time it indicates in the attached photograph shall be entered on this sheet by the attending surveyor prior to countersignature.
9:22:47
